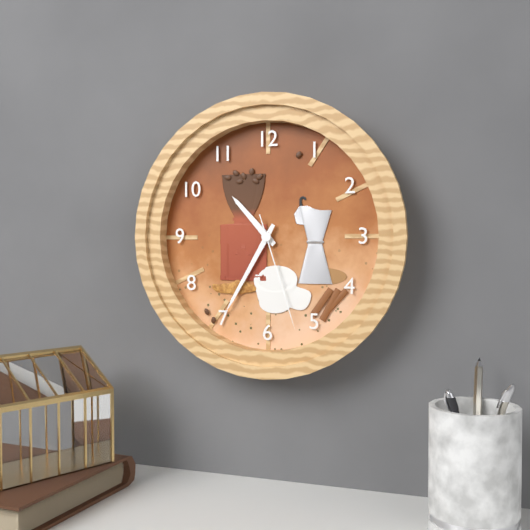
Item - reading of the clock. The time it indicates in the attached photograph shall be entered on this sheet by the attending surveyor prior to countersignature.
10:35:27
